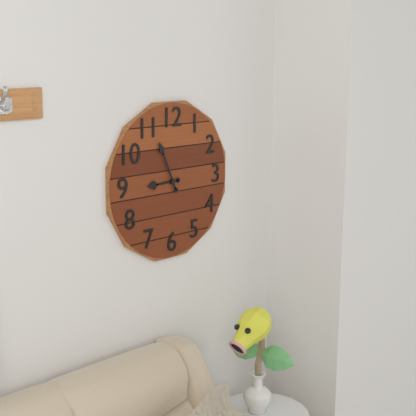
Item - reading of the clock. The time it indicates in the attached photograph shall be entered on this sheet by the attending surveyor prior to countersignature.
8:56
